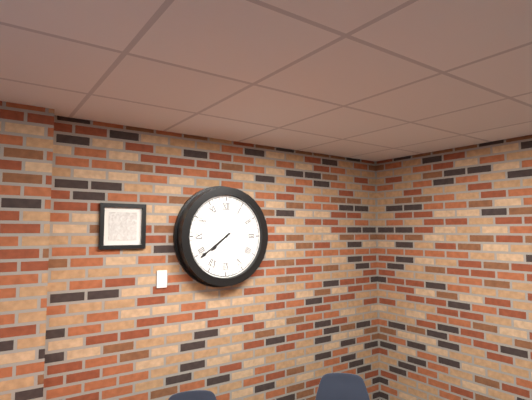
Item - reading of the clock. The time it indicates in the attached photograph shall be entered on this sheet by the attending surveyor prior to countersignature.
7:39
